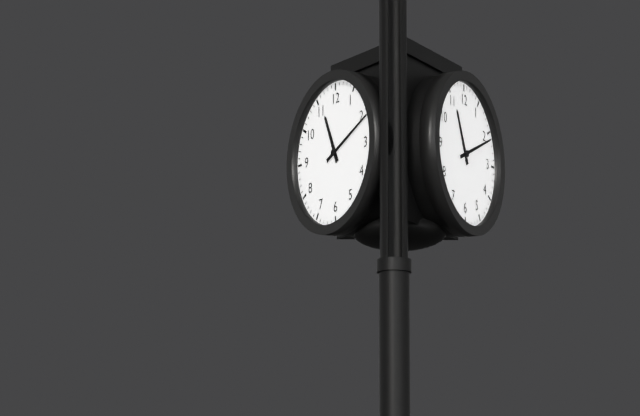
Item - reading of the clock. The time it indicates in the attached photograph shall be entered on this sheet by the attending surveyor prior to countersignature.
11:11
